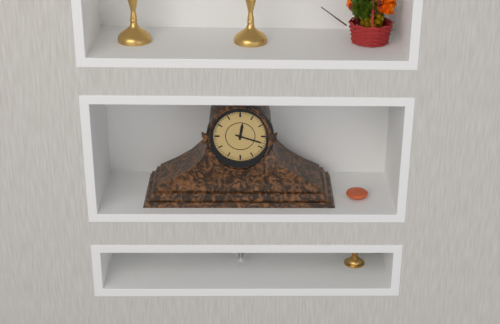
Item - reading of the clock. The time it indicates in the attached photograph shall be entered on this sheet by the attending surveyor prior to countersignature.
12:18
